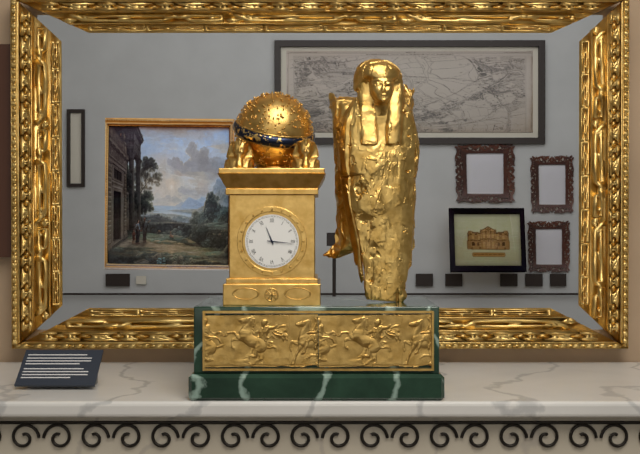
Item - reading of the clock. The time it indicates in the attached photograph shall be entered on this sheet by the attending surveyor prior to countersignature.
11:16
